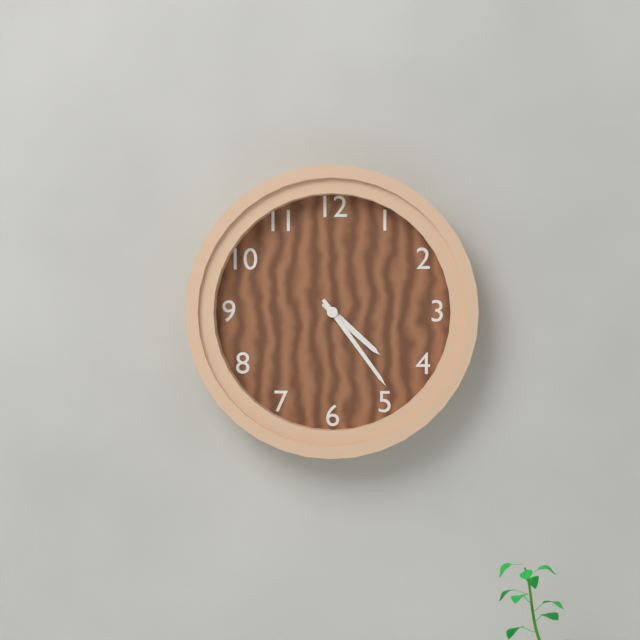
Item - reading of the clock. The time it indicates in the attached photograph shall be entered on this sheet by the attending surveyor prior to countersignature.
4:24
